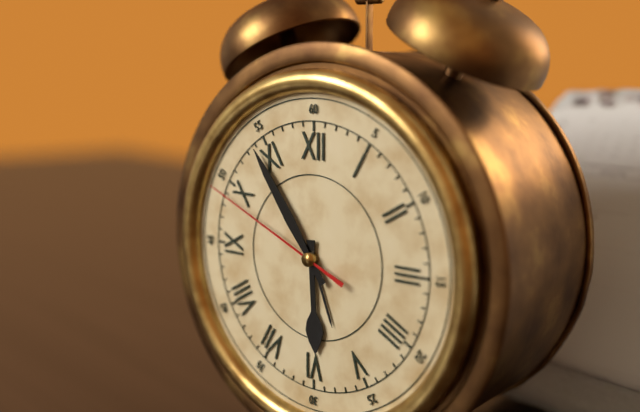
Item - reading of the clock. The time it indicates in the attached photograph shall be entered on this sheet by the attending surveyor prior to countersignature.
5:54:49
